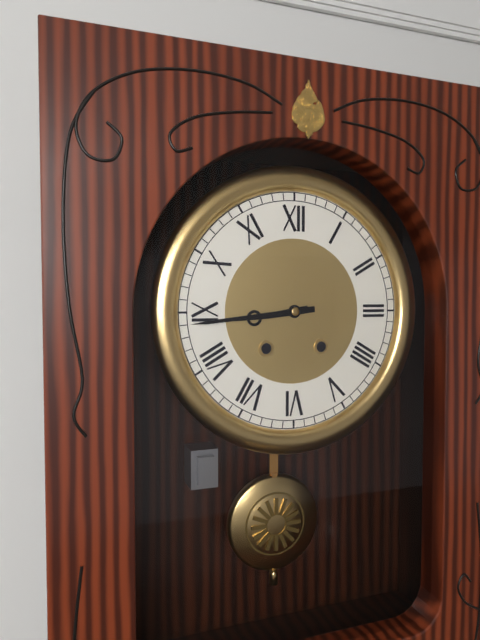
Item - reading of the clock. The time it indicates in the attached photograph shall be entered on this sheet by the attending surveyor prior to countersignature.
8:44
